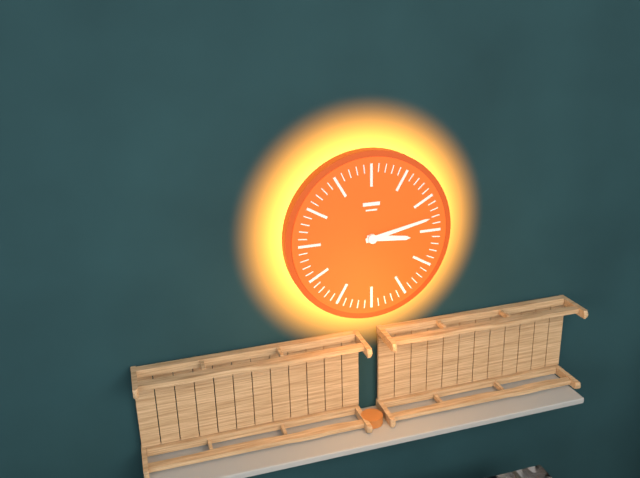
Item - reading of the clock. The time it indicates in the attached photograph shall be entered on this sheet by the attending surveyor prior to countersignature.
3:13
